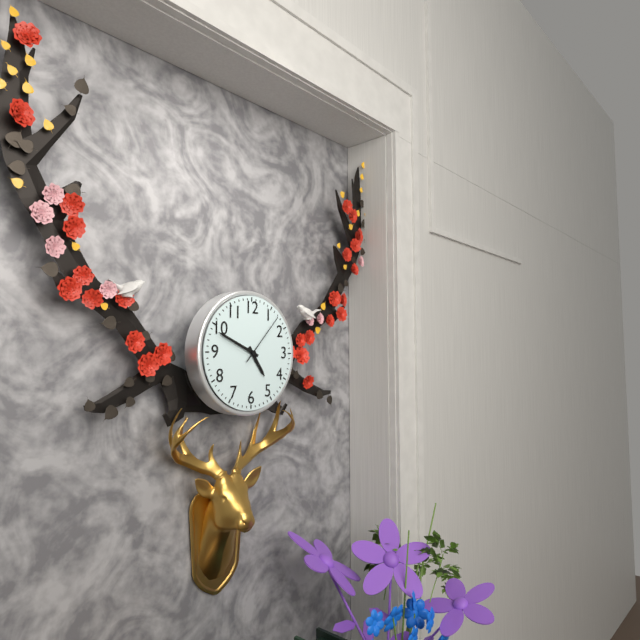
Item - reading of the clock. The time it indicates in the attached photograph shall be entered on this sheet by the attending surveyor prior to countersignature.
4:49:07
